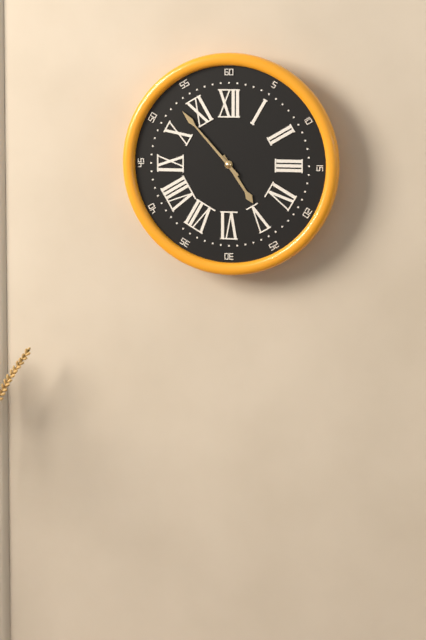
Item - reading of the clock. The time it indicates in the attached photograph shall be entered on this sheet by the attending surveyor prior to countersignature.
4:53
